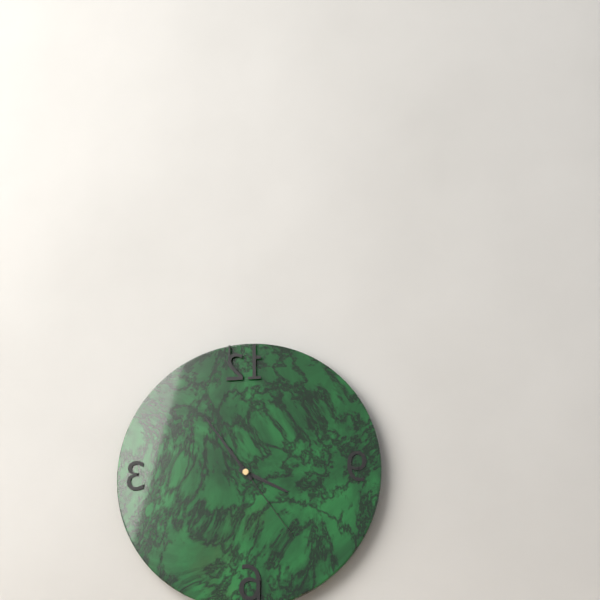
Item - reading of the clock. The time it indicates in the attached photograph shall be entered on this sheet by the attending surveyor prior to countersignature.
3:54:24
